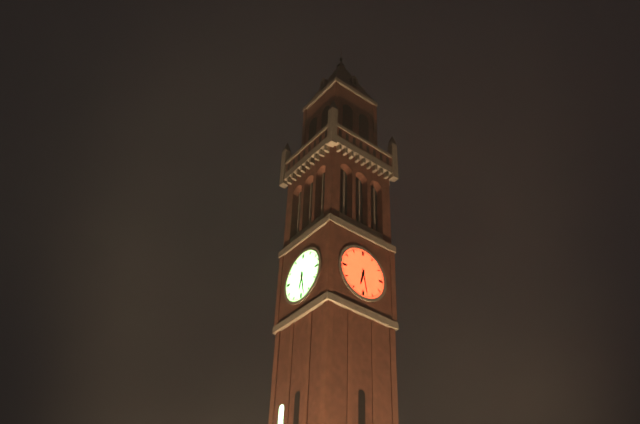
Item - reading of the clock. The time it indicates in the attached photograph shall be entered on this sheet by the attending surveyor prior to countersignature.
6:28
